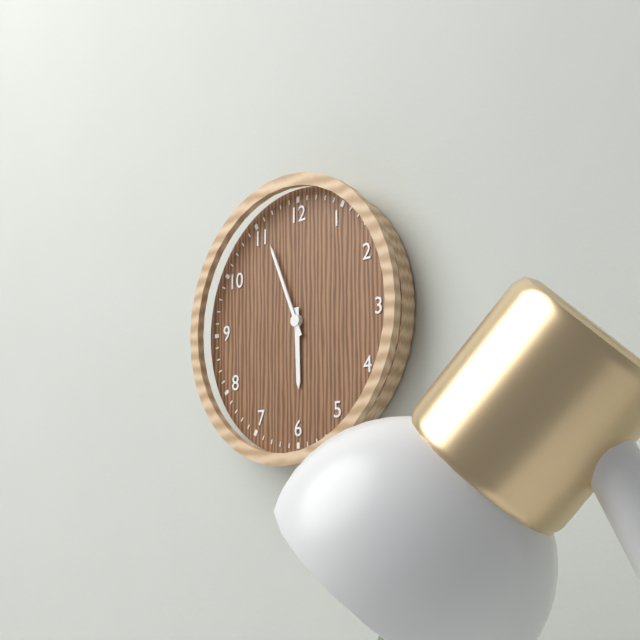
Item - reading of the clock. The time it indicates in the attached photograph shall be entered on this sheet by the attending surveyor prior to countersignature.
5:56
